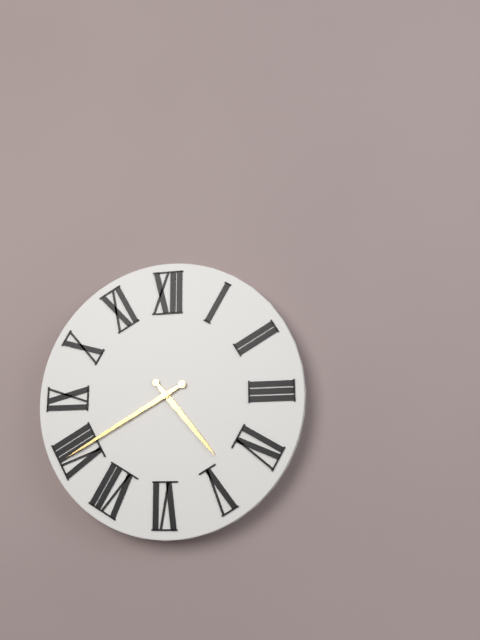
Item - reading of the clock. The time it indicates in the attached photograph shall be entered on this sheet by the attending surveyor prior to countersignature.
4:40
